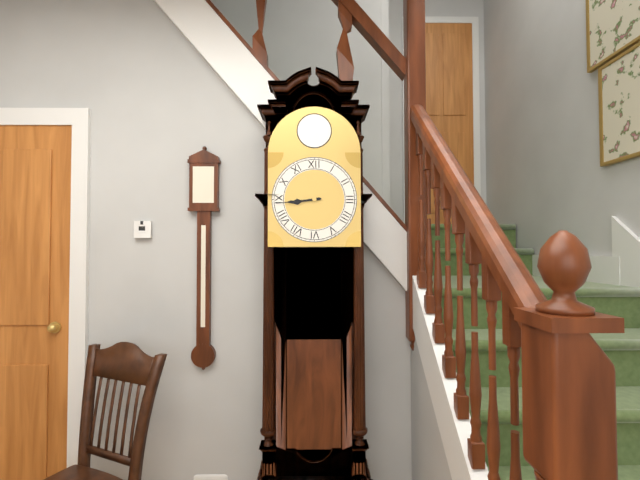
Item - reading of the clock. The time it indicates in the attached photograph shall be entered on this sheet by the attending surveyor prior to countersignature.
8:44
